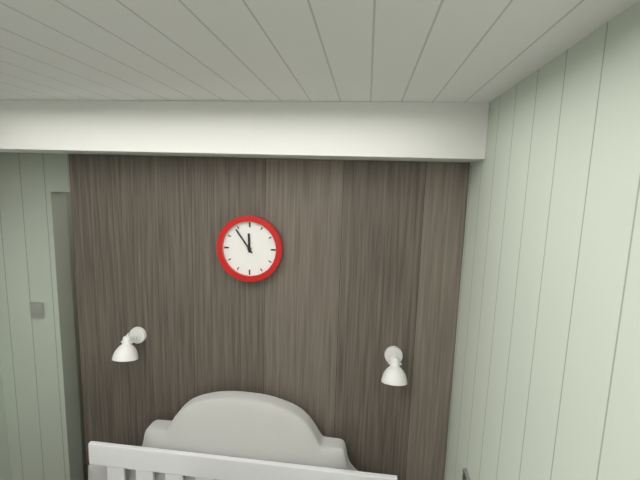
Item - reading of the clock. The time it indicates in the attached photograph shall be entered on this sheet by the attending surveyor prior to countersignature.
11:54
